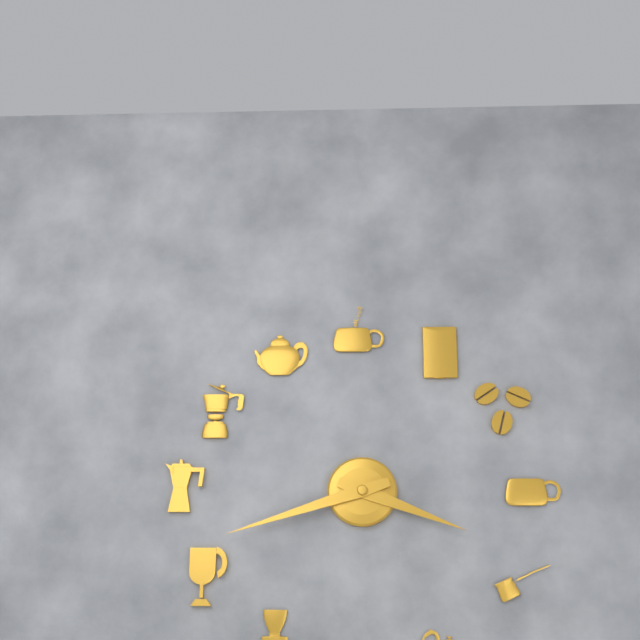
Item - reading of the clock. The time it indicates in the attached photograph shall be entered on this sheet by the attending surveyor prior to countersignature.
3:42
